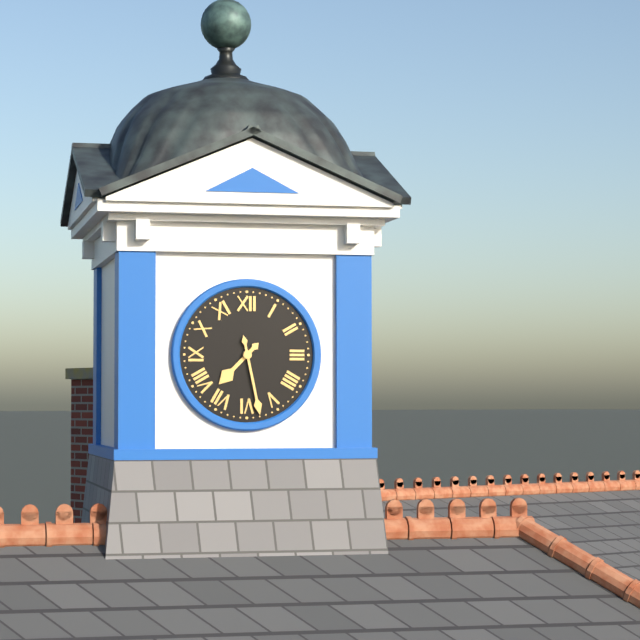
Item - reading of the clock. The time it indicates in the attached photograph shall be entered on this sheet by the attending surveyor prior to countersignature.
7:28
